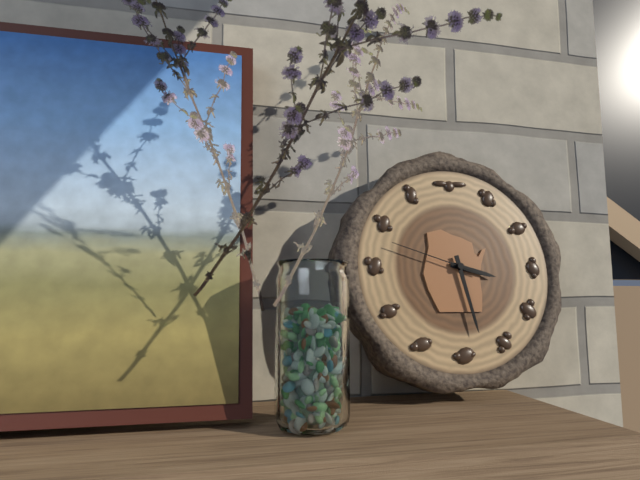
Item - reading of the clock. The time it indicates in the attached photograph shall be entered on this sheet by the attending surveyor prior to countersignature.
3:28:48
